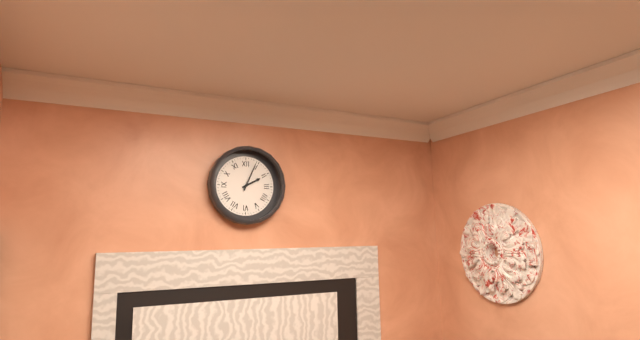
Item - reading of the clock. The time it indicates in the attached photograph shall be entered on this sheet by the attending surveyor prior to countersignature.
2:04
